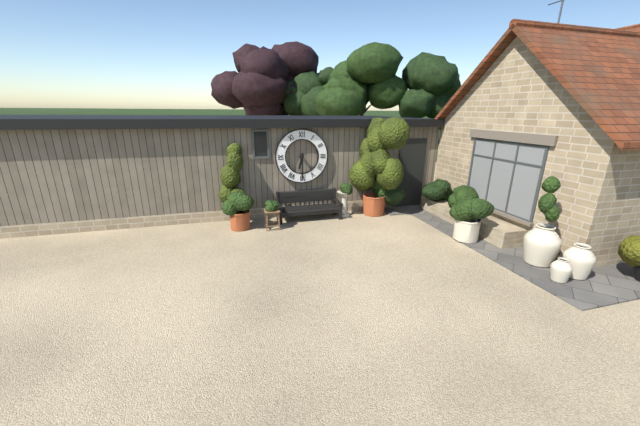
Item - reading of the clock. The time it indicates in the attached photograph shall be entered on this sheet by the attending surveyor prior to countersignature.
6:30
